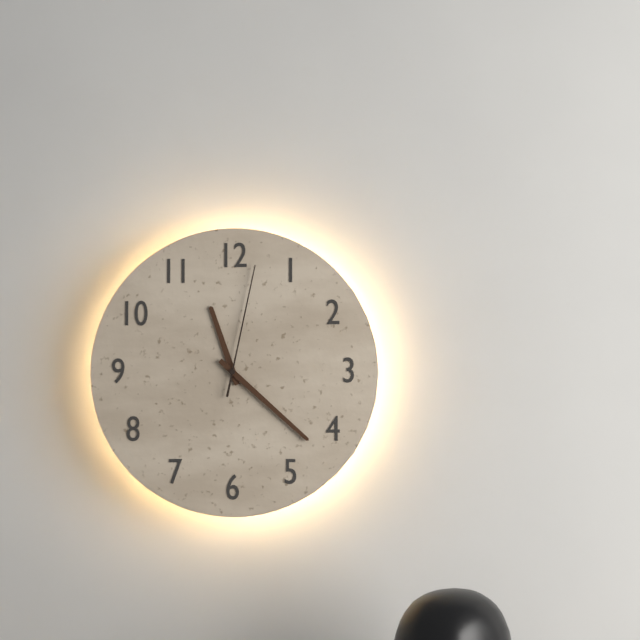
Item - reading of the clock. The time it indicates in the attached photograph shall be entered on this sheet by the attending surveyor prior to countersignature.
11:22:02
